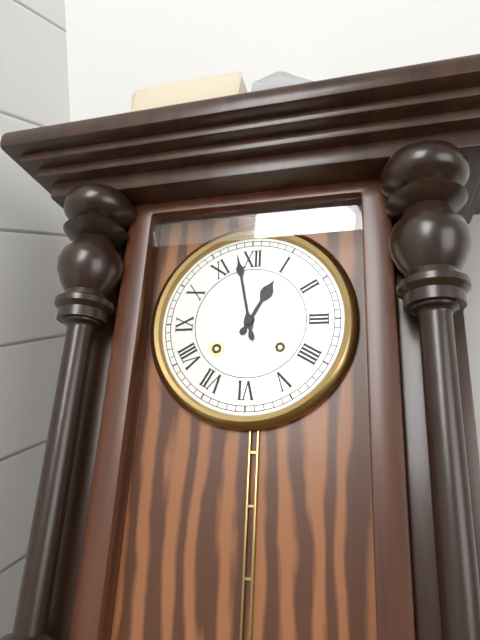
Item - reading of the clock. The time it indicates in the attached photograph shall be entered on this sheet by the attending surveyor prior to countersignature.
12:58
